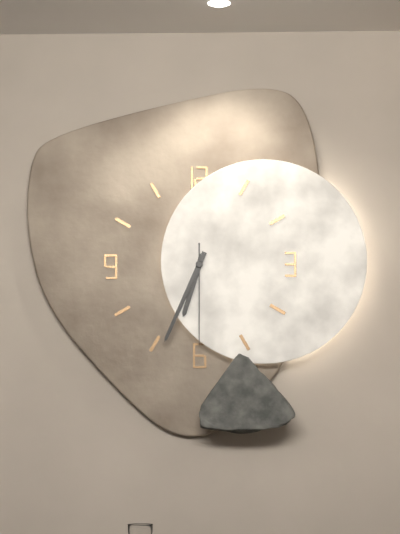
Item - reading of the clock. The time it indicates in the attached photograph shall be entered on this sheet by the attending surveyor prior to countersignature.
6:34:30
